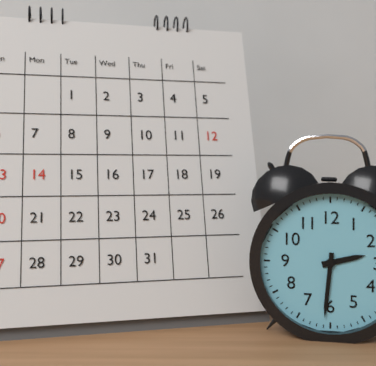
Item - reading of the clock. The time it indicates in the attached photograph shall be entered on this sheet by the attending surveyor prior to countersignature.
2:31
